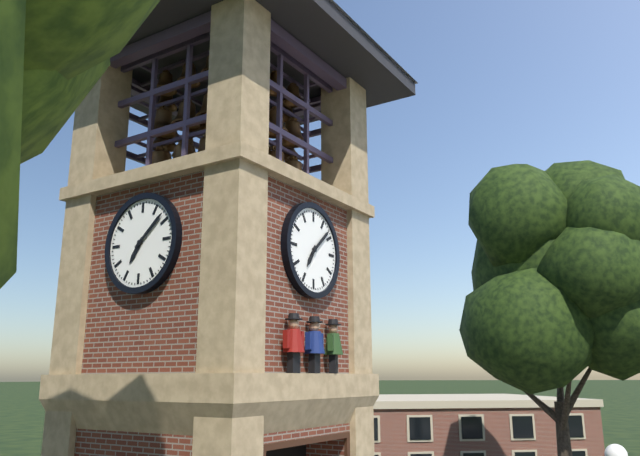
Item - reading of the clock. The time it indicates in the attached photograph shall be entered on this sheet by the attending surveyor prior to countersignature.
7:08
